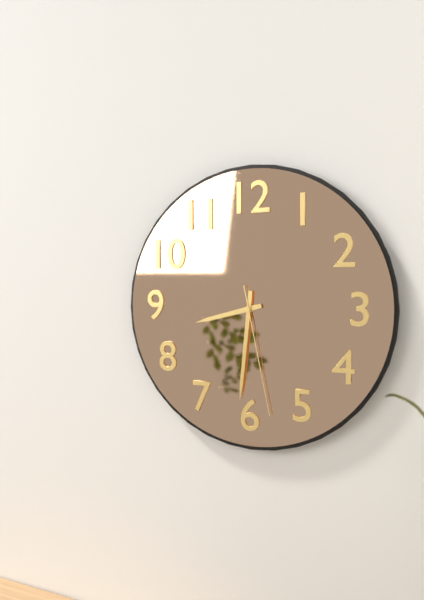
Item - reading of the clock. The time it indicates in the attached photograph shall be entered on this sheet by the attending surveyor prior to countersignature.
8:31:28
